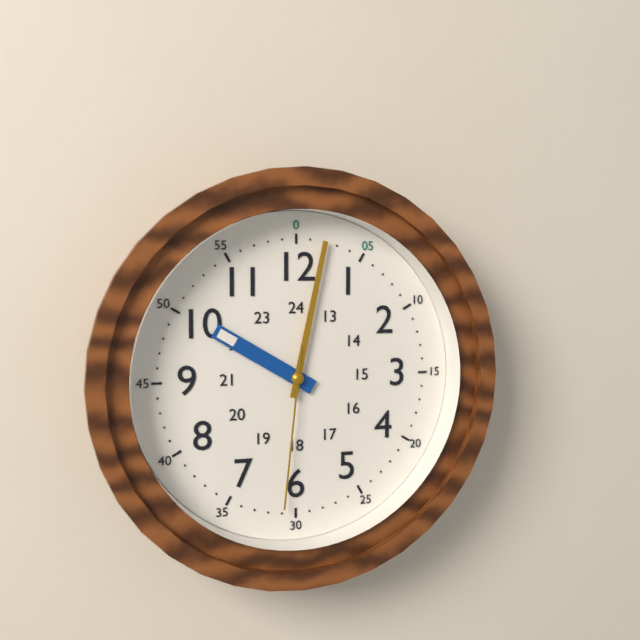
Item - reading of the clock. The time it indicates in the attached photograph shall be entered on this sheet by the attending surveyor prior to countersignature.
10:02:31
